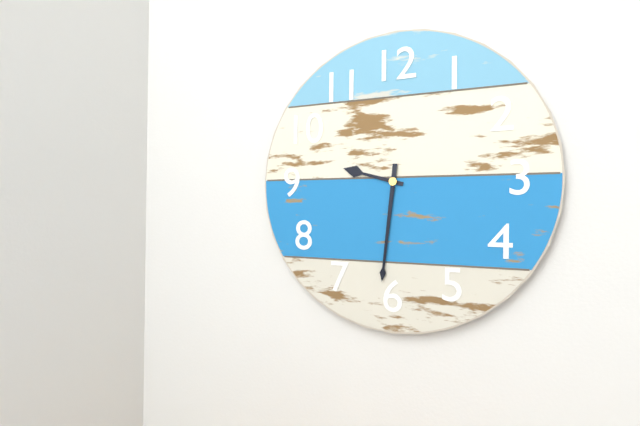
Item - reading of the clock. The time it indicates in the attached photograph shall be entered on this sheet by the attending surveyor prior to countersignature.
9:31
